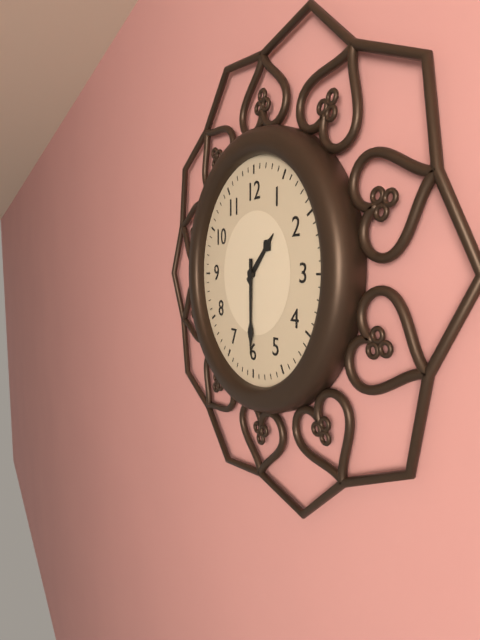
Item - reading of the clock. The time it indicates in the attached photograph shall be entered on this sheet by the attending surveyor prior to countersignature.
1:30
